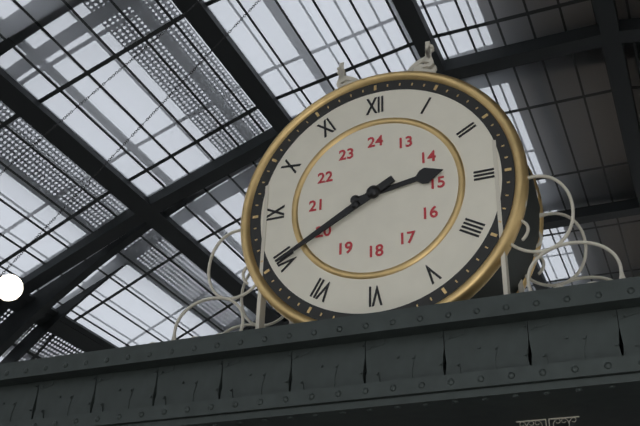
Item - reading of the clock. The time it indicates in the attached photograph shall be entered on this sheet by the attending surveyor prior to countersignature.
2:40
